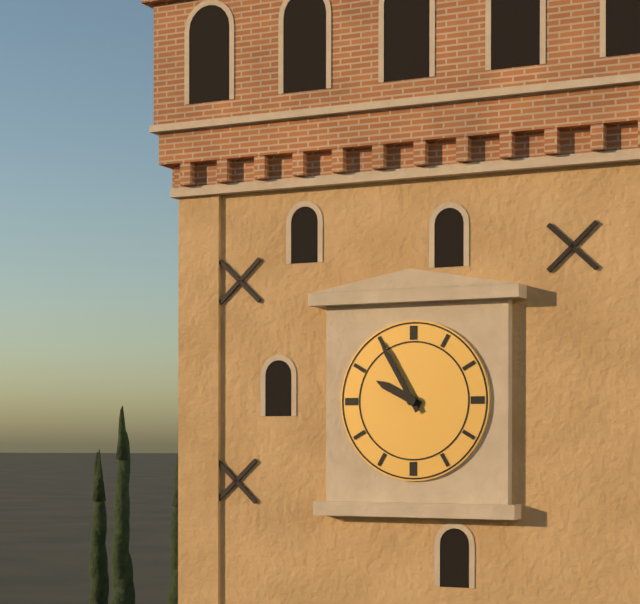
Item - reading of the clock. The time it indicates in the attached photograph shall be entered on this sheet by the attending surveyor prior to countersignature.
9:55
